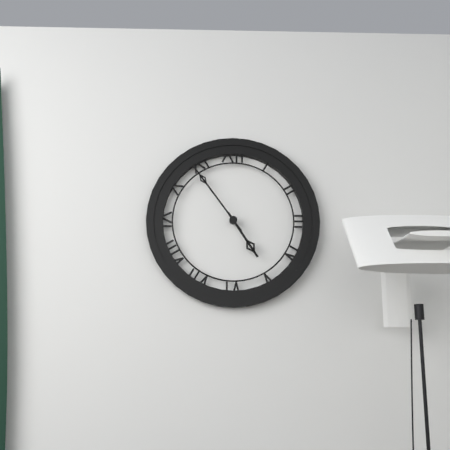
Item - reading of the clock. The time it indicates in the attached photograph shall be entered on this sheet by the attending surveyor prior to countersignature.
4:54
